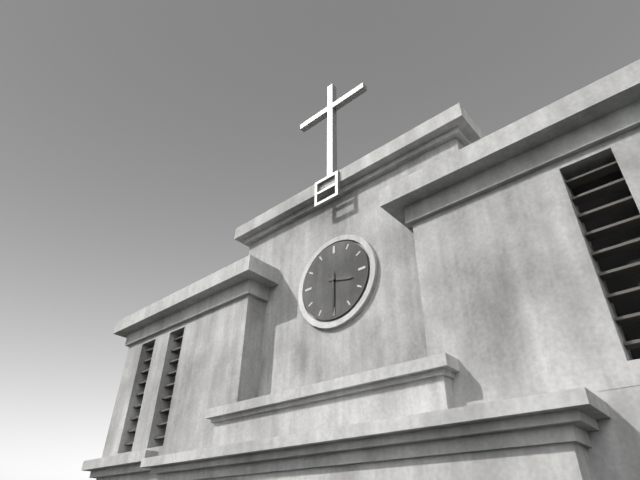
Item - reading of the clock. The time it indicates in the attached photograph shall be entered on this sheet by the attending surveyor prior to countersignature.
3:30
